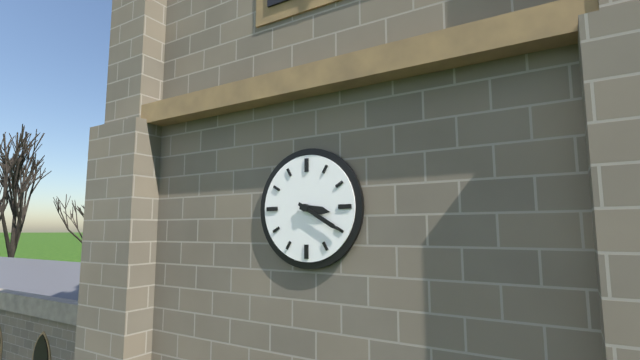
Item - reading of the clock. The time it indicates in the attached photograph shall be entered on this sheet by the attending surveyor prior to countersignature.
3:20
